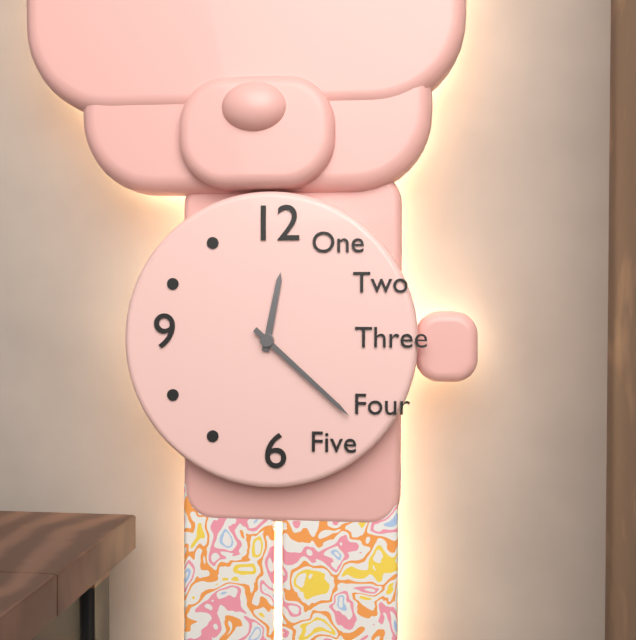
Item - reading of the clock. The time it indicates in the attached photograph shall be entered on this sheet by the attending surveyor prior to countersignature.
12:22
